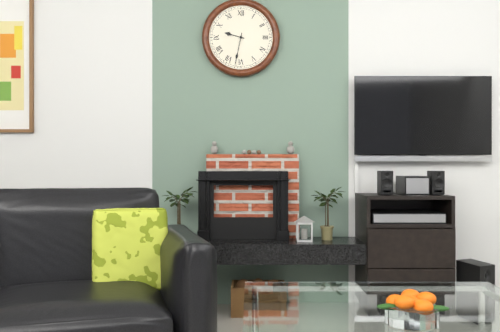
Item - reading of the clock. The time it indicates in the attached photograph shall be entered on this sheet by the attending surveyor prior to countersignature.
9:32
